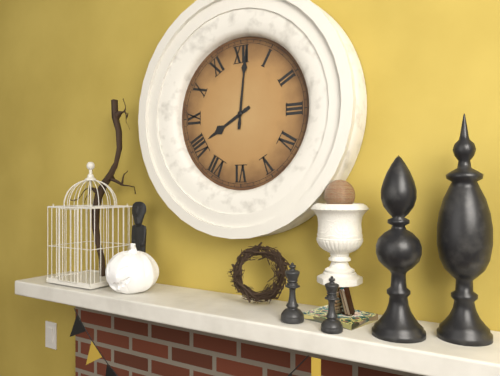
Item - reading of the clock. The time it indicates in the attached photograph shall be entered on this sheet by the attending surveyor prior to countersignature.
8:01
